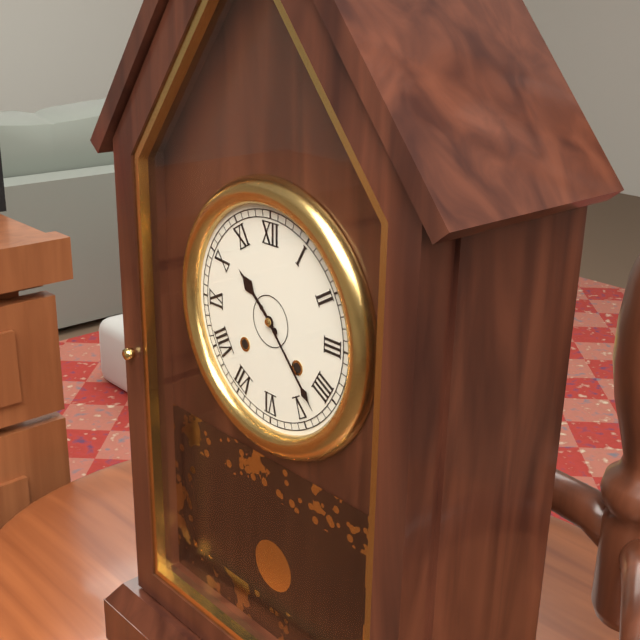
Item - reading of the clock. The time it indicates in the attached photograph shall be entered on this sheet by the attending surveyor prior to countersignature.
10:23
